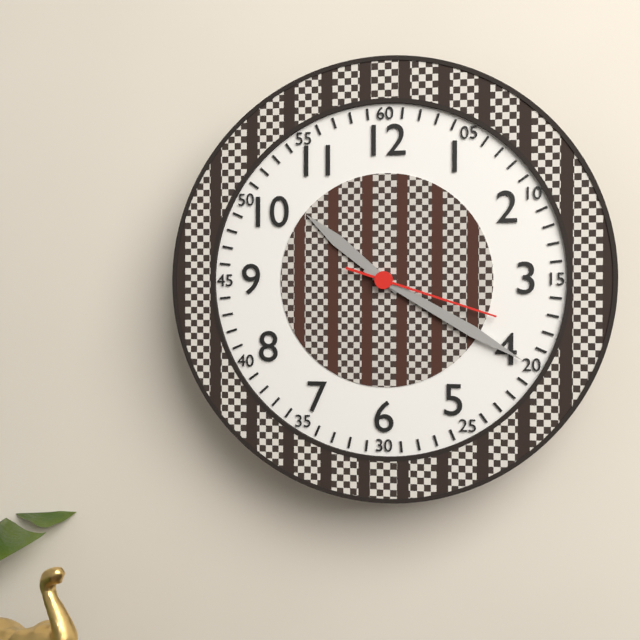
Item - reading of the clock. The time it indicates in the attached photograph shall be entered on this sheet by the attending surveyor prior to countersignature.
10:20:18
